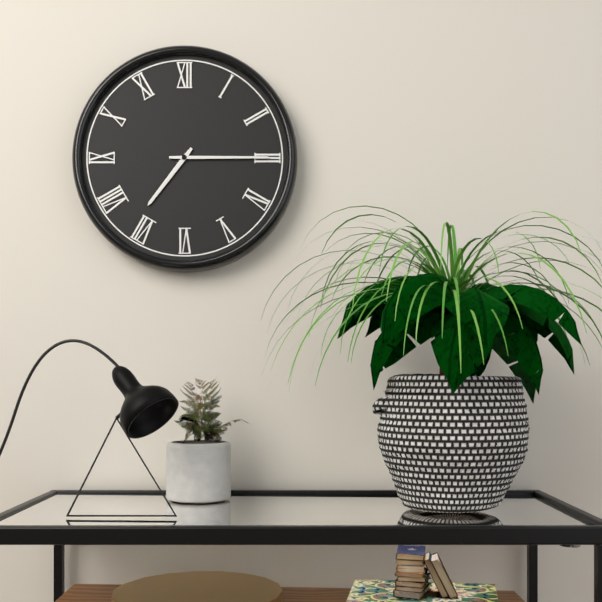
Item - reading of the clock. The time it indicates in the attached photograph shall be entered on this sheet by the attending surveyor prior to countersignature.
7:15
